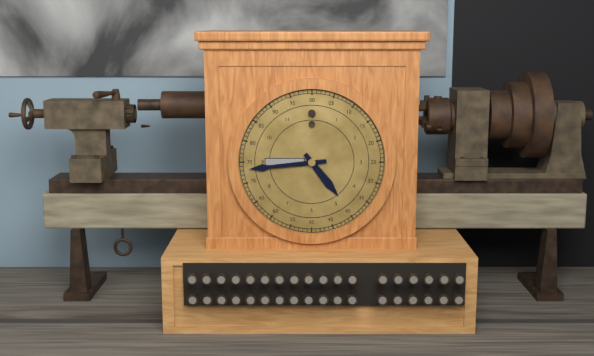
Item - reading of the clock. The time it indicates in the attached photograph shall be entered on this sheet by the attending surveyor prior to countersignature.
4:44
